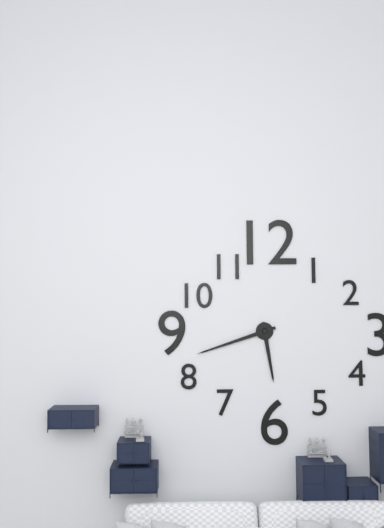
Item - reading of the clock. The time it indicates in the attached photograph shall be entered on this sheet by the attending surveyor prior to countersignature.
5:42
